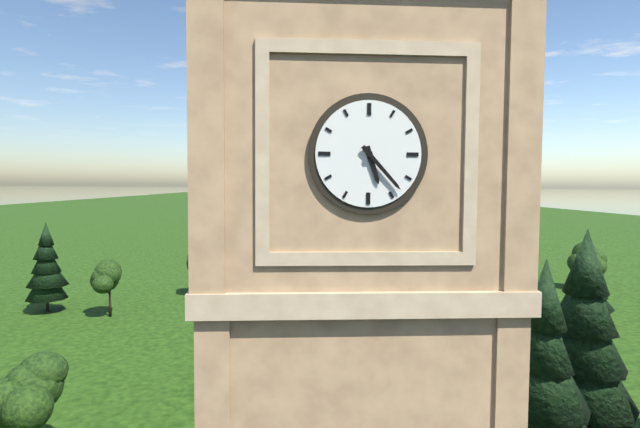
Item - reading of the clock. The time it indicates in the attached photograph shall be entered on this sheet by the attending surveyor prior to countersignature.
5:23
